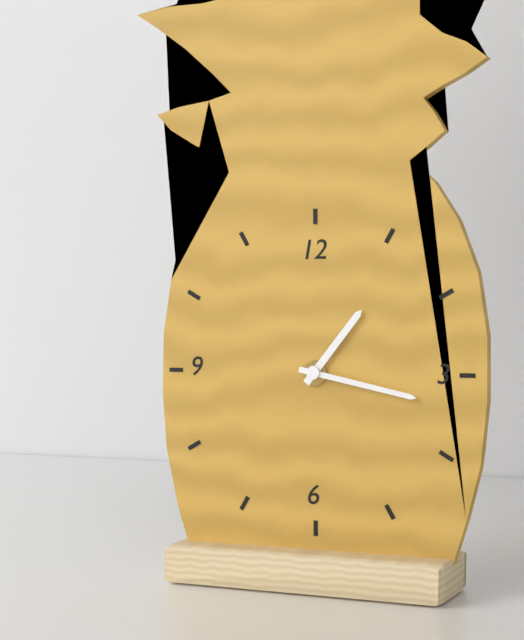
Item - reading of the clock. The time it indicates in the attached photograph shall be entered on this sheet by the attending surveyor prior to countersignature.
1:17
